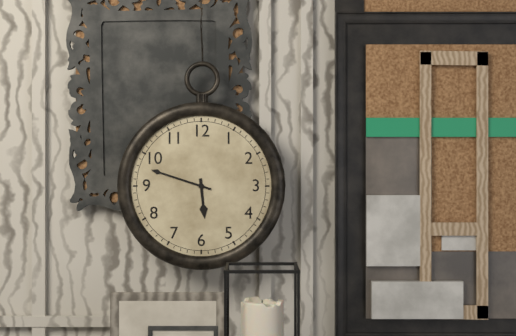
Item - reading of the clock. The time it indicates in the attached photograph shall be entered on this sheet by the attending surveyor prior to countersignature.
5:48
